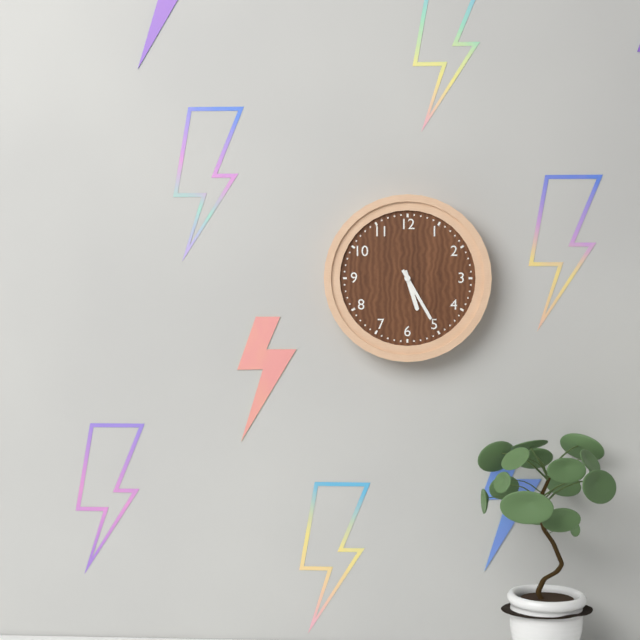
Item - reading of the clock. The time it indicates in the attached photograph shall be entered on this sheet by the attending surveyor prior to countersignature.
5:25
